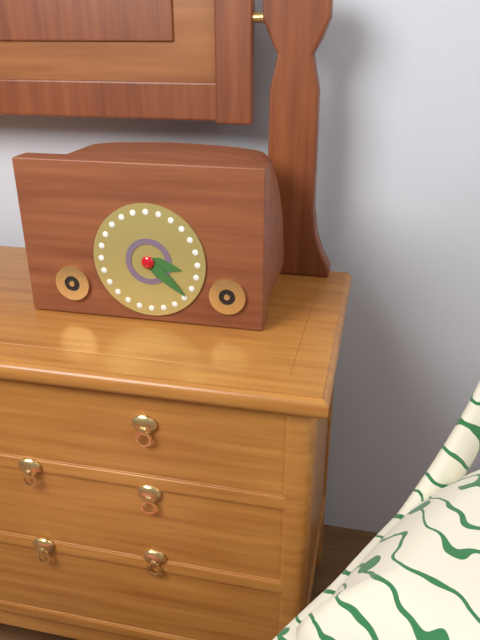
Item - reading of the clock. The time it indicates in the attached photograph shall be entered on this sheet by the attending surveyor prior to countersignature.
3:22
